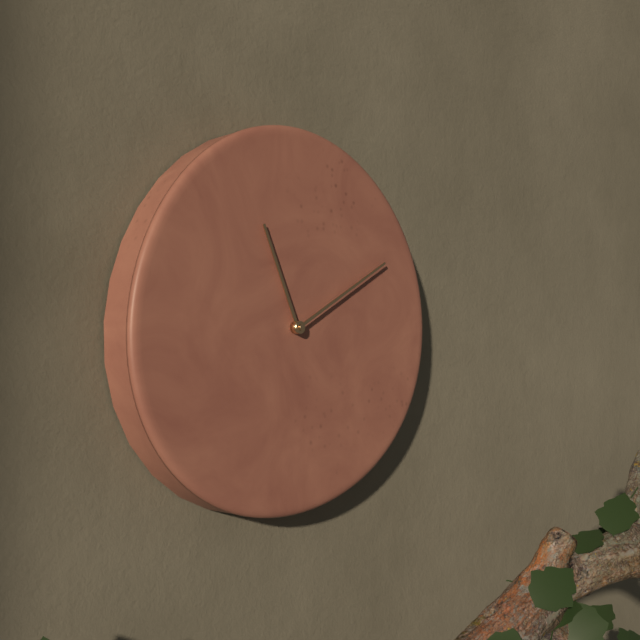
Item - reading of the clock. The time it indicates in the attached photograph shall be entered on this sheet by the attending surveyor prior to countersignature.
11:10
